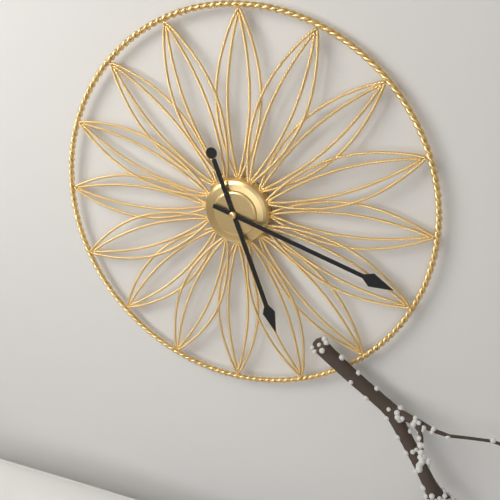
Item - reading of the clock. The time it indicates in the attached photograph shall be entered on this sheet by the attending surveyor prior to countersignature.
5:18
